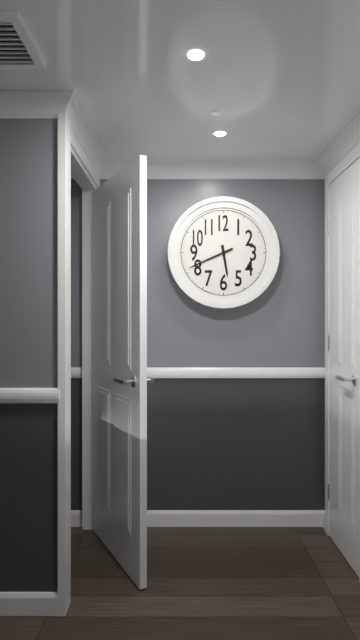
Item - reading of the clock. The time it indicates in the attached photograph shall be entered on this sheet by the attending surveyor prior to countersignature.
5:41
